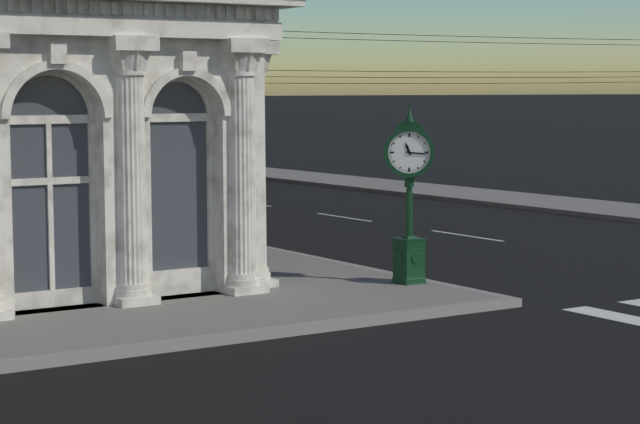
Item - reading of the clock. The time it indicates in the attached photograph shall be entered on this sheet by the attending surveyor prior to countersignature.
11:16
